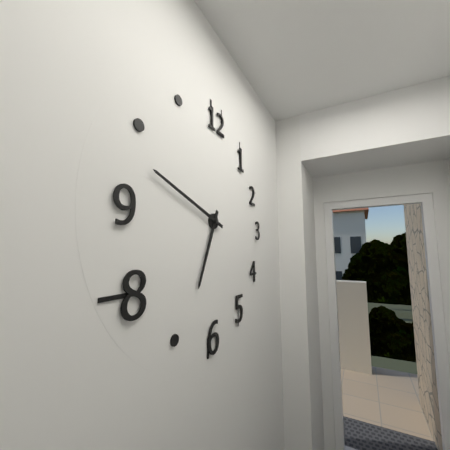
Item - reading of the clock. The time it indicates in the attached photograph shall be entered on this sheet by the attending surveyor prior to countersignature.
6:48
